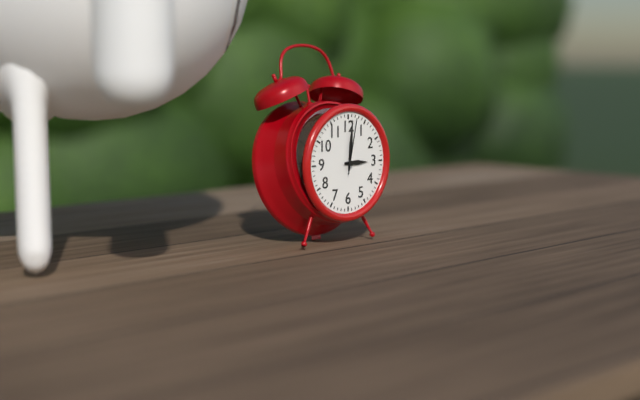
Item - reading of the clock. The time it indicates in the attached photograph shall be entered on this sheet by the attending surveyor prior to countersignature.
3:01:02
